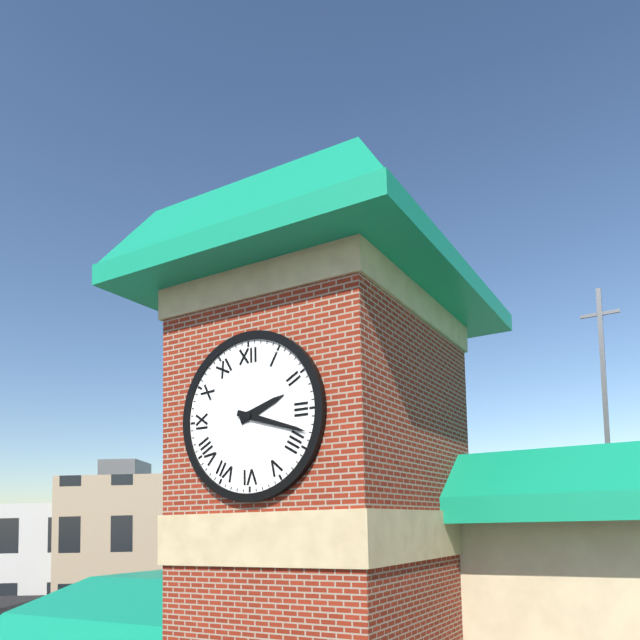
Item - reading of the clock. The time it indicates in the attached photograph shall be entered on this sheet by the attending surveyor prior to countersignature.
2:18
